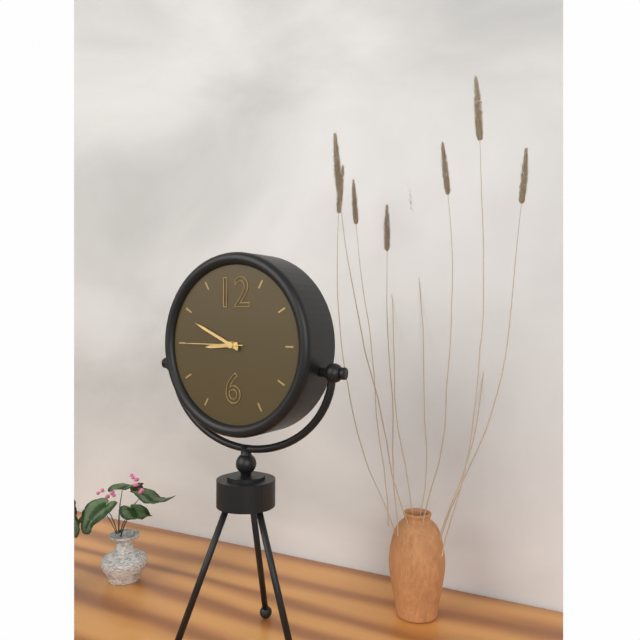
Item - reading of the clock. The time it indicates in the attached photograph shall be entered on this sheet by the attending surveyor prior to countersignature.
8:49:45
